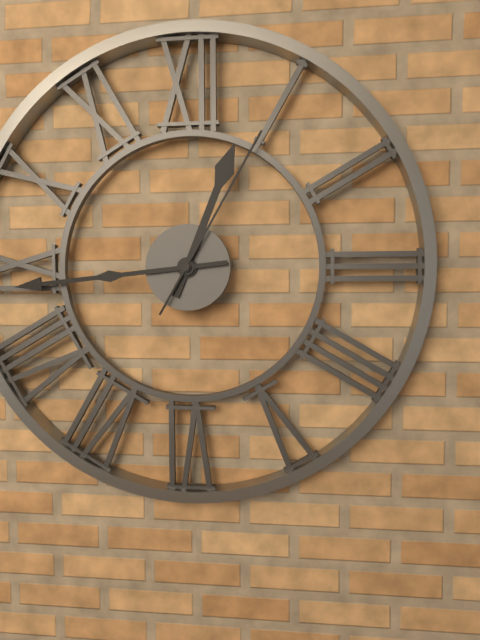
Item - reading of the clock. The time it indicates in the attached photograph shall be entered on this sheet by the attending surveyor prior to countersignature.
12:44:05
